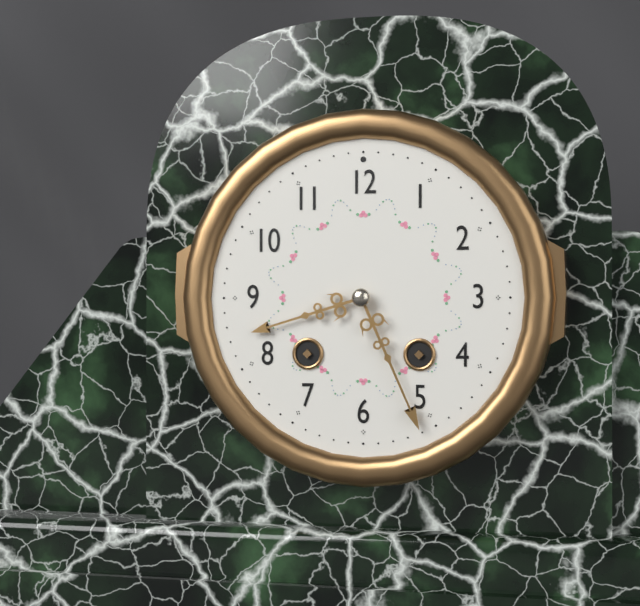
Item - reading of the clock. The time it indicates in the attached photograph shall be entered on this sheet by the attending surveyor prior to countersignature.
8:26
